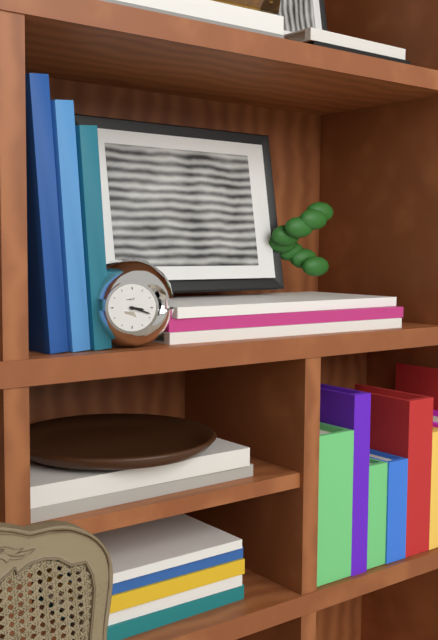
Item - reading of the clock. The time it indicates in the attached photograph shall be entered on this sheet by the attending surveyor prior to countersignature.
3:18
